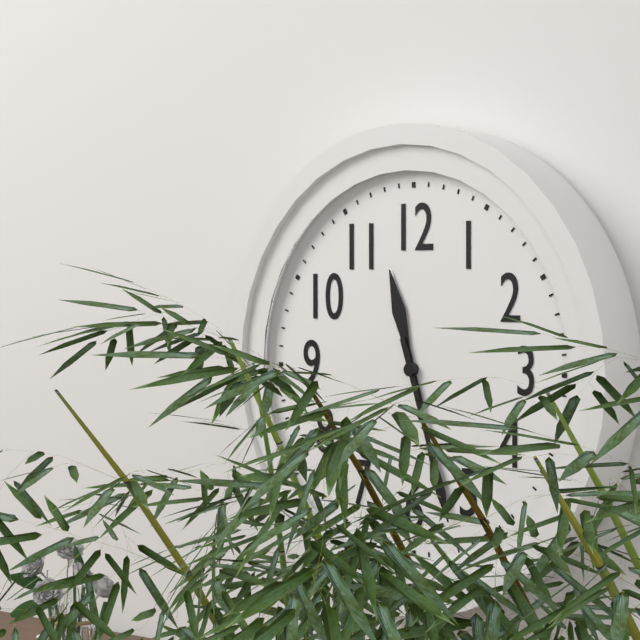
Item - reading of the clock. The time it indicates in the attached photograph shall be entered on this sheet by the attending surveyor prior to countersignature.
11:27
